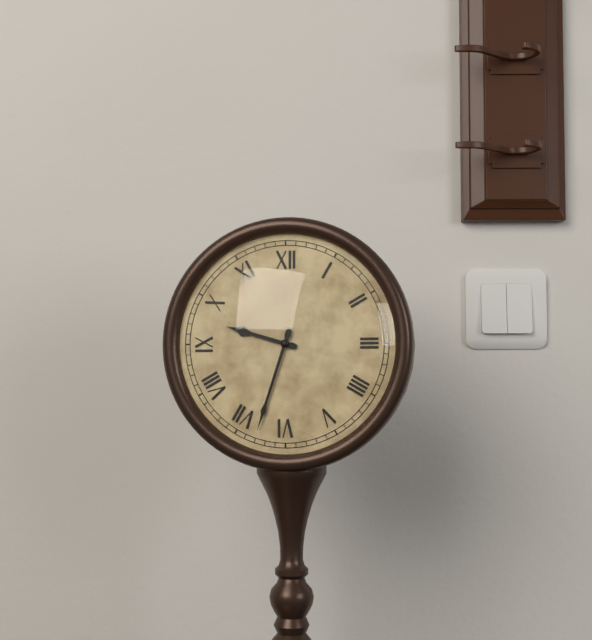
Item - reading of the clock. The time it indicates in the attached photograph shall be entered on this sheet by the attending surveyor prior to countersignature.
9:33
